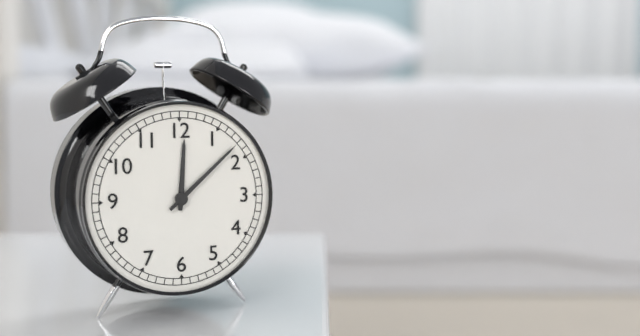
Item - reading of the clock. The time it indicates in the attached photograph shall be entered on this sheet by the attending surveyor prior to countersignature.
12:08
